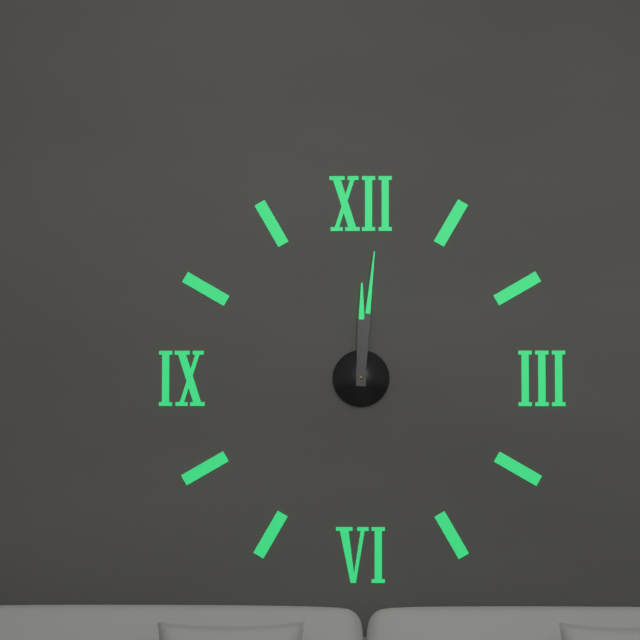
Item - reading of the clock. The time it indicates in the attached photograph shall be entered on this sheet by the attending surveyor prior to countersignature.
12:01
